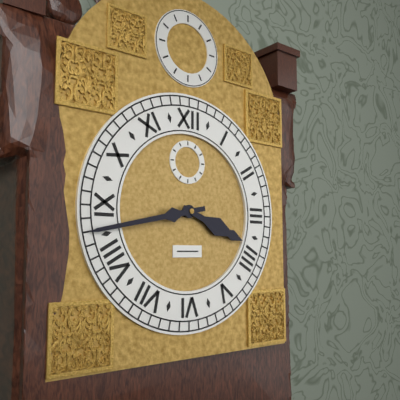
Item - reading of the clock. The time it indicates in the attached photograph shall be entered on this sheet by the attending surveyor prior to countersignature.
3:43
